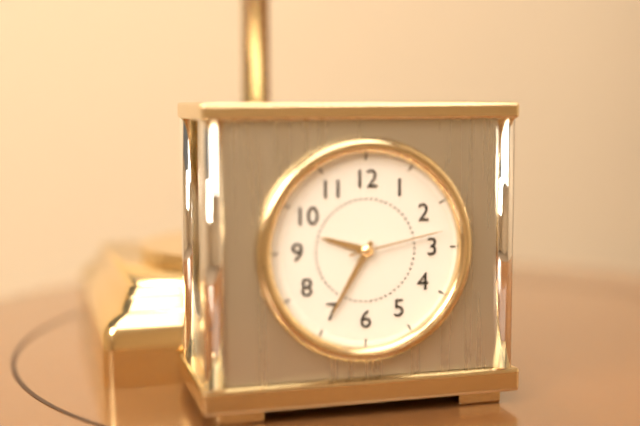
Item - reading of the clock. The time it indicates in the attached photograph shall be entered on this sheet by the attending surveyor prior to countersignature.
9:35:13
